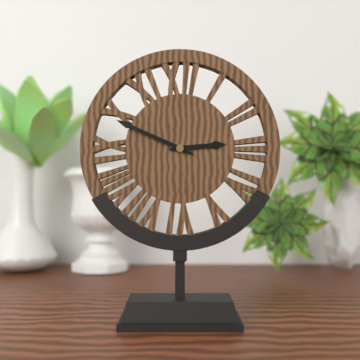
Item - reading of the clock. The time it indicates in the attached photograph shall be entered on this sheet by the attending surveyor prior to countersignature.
2:49
